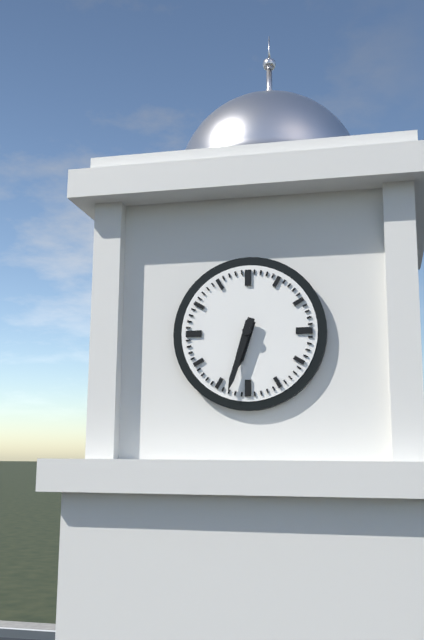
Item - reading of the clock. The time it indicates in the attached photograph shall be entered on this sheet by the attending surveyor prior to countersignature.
6:33
